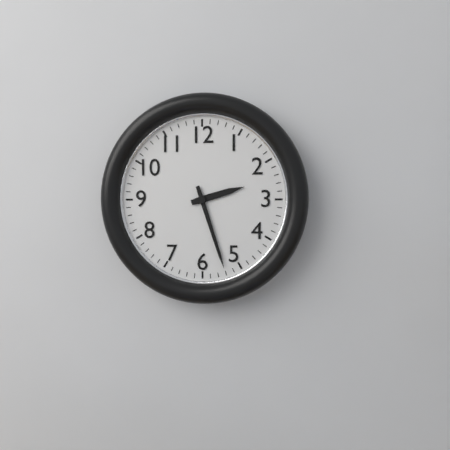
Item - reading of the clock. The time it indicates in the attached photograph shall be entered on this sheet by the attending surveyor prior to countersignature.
2:27
